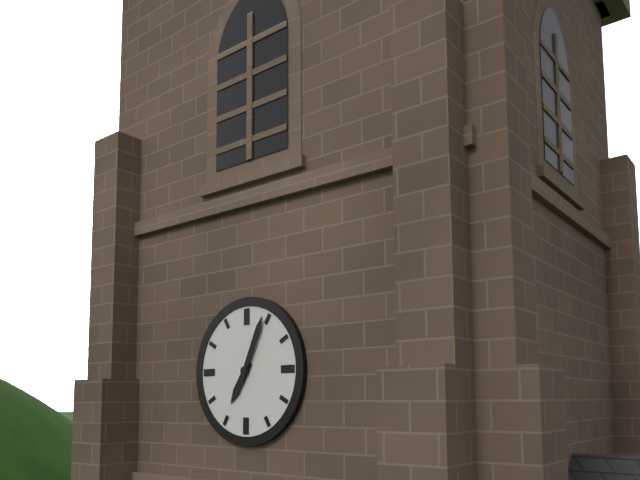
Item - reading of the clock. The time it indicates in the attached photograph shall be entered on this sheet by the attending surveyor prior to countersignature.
7:04
